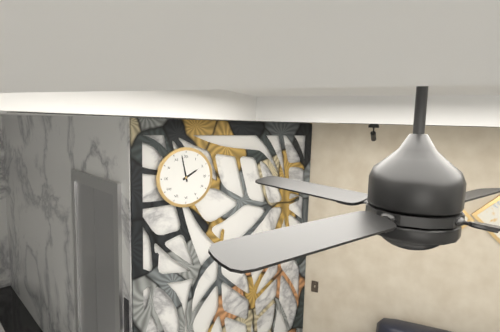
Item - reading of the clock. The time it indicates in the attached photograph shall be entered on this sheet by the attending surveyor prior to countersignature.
1:58
